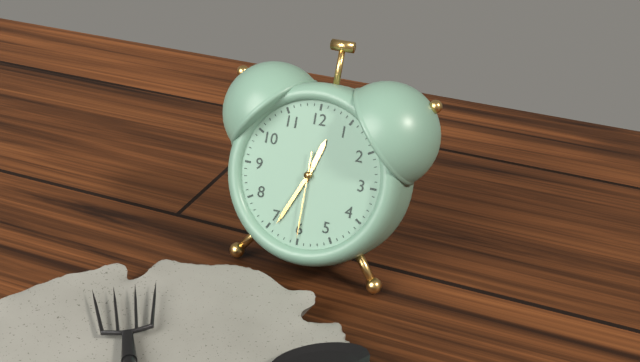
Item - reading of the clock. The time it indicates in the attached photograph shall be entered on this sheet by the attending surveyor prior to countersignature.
12:34:30
